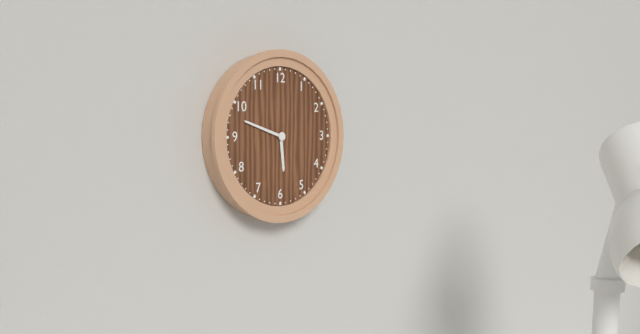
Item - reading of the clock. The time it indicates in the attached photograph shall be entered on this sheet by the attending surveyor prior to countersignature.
5:48
